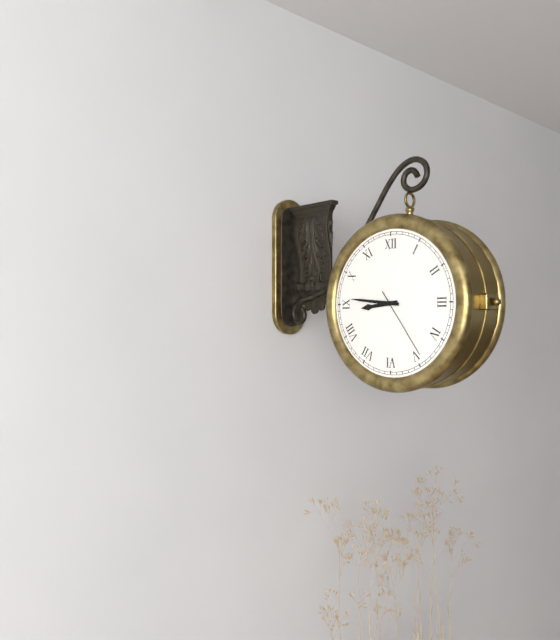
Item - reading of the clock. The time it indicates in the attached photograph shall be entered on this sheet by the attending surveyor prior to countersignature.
8:46:24
